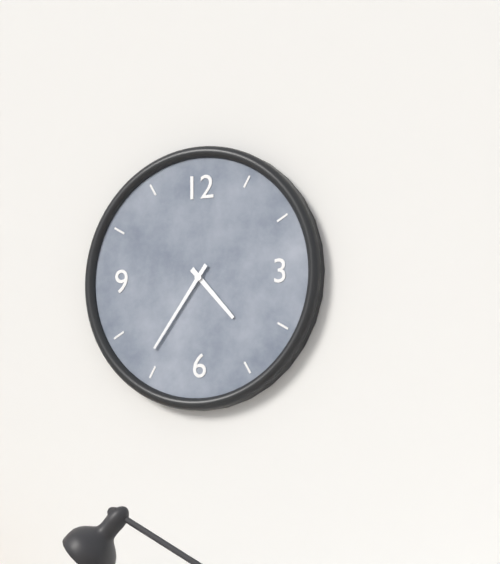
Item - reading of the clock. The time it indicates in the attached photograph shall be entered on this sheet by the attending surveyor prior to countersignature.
4:36
